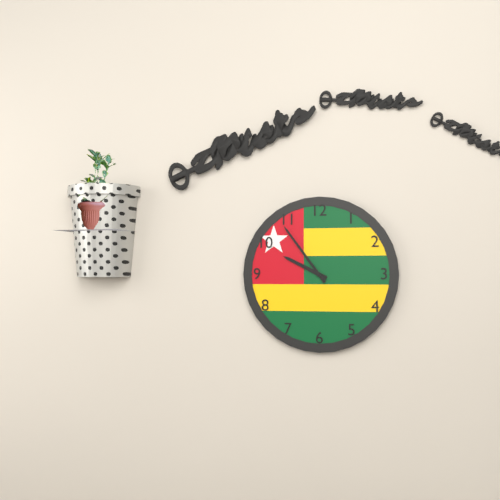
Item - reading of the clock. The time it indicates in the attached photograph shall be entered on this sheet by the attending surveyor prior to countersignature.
9:54
